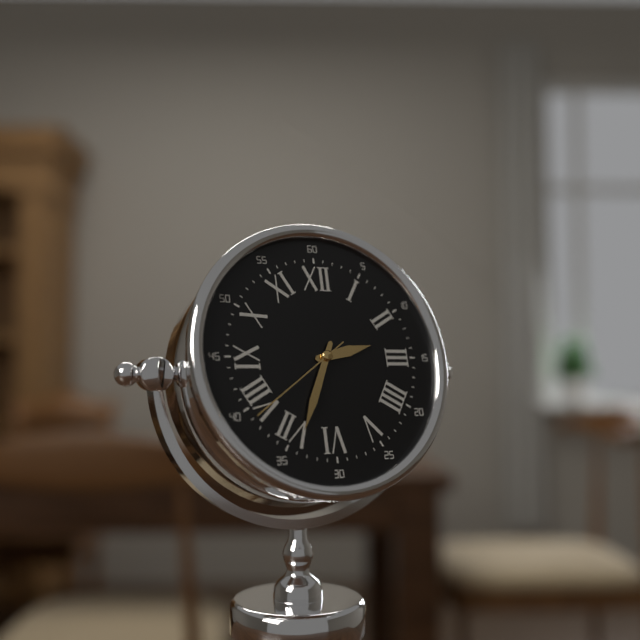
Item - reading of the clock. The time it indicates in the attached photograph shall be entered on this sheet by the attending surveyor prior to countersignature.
2:34:39
